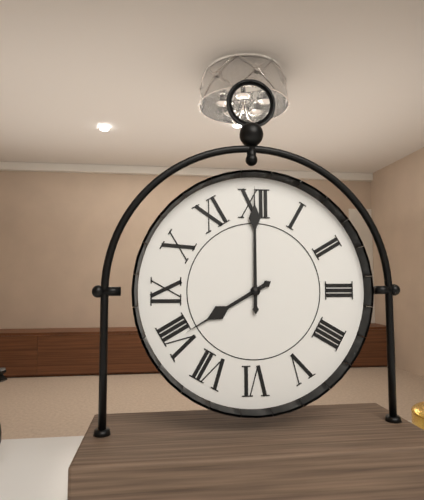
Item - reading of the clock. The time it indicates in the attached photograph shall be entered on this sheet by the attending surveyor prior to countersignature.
8:00
